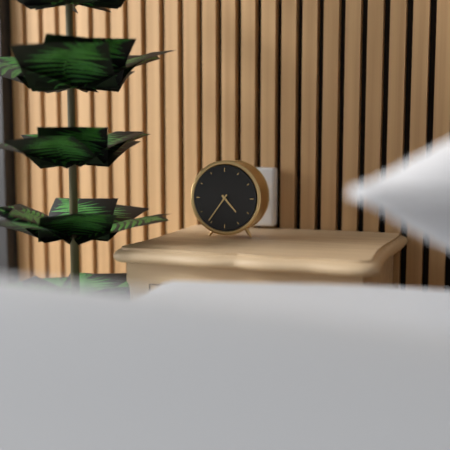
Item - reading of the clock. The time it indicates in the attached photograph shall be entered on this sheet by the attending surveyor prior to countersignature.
4:36
